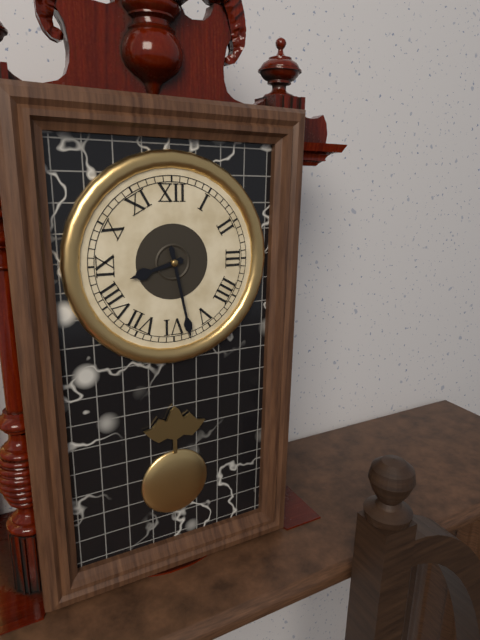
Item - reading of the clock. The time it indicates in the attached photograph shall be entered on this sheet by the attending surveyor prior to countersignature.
8:28
